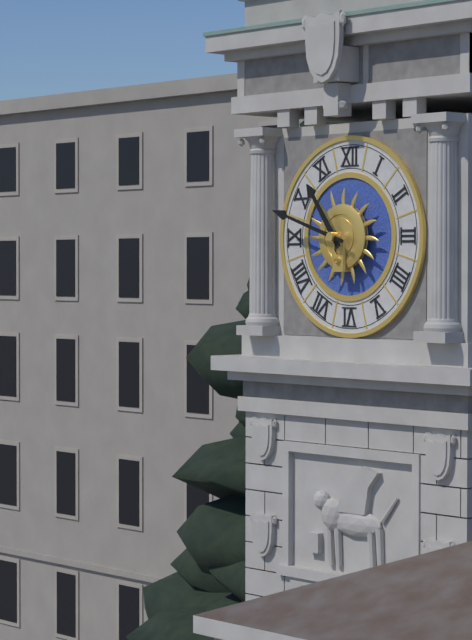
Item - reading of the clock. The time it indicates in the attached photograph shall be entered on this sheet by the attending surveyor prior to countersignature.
10:48
